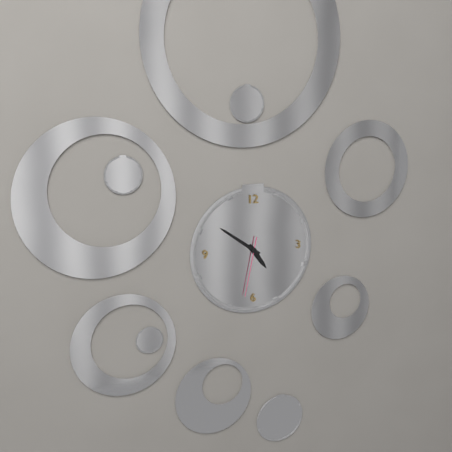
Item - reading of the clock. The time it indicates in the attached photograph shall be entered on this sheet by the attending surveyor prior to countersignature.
4:51:32
